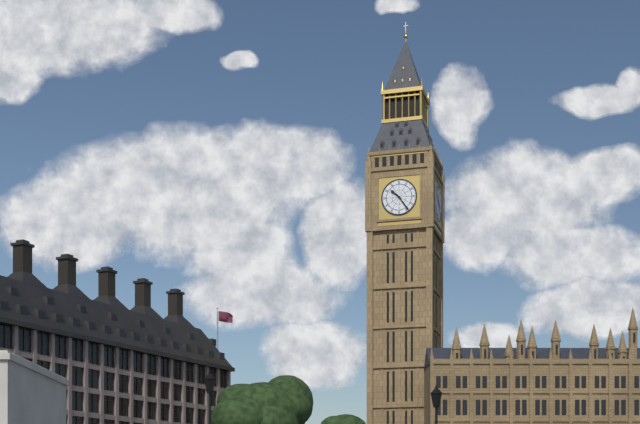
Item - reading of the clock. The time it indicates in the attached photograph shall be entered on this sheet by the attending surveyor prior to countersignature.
10:24
